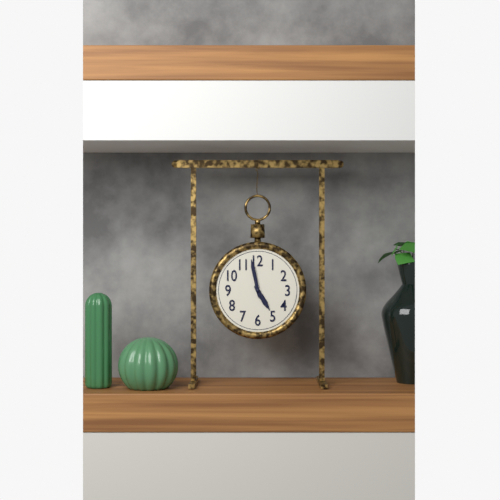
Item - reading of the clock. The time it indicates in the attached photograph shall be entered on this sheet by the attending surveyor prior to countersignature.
4:58
